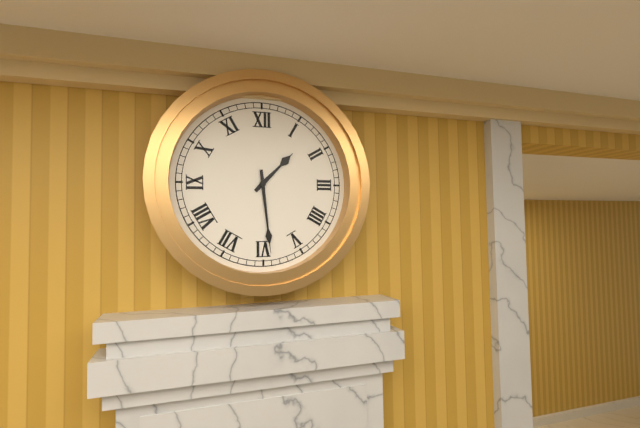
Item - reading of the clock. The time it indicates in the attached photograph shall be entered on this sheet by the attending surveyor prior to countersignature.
1:29
